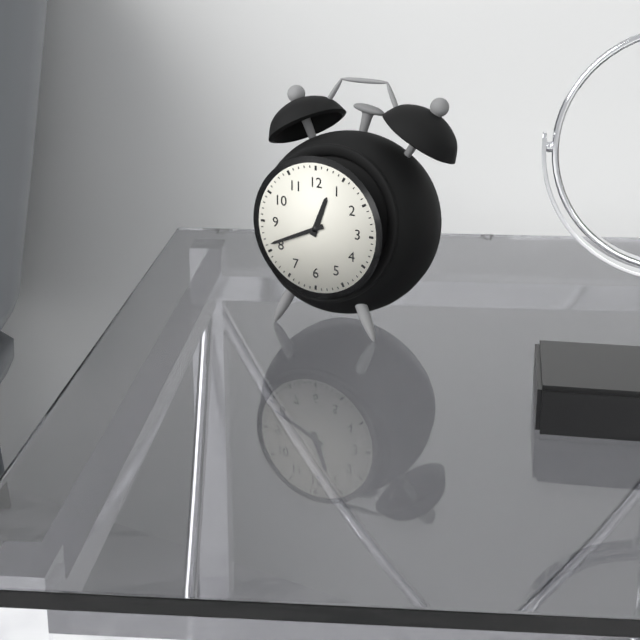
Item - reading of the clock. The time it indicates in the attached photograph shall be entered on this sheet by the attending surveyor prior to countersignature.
12:41
